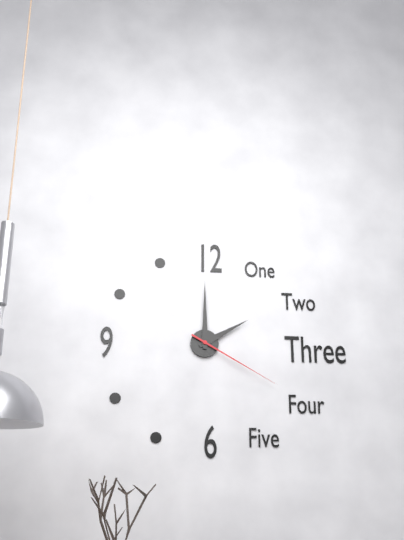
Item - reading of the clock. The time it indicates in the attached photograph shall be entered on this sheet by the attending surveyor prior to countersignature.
2:00:20
